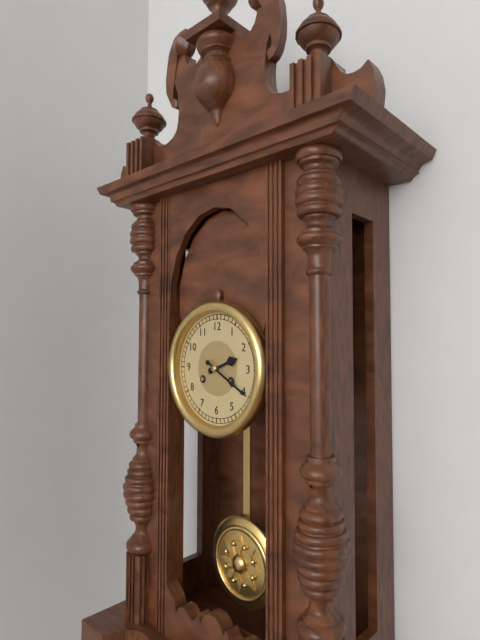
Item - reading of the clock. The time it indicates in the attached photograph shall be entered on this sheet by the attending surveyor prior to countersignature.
2:20
